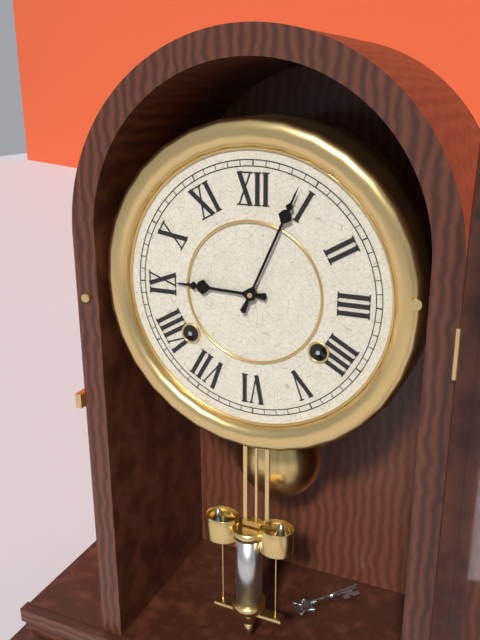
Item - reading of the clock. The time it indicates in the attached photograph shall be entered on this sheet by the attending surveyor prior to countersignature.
9:04
